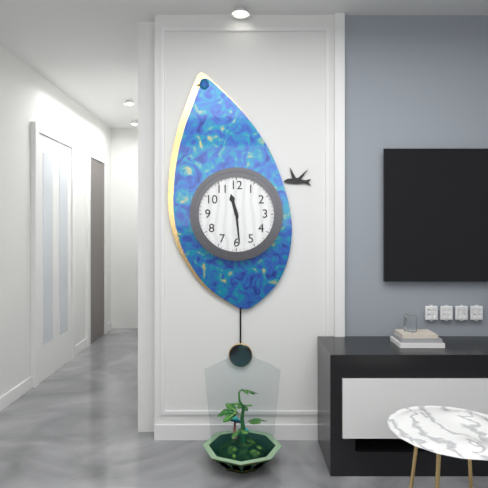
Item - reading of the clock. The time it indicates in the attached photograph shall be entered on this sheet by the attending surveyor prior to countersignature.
11:29
